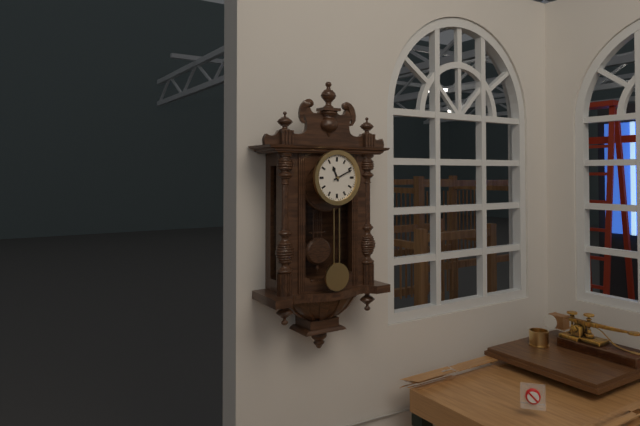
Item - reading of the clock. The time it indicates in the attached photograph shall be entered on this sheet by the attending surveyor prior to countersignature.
11:11
